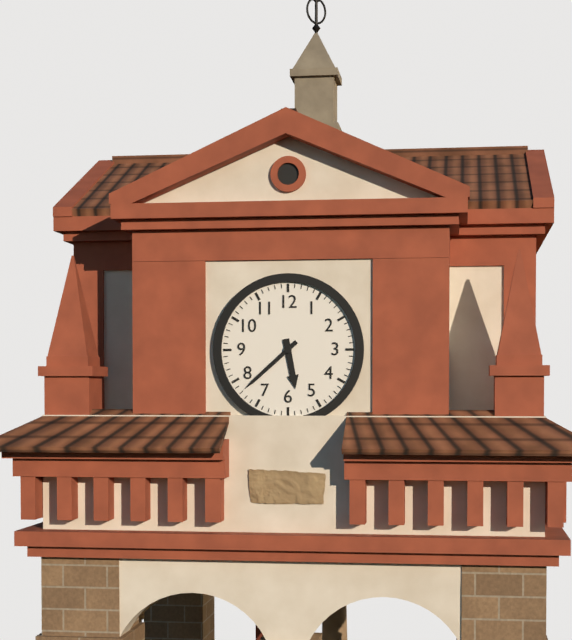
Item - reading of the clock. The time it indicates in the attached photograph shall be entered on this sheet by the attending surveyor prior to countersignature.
5:38
